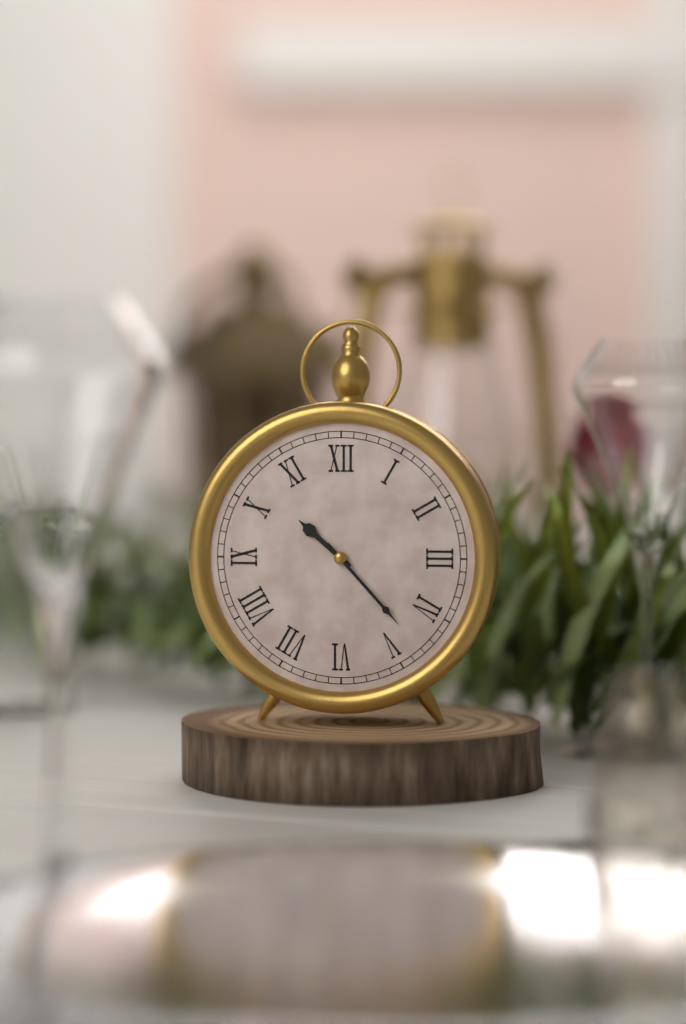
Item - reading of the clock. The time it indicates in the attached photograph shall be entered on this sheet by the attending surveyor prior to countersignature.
10:23
